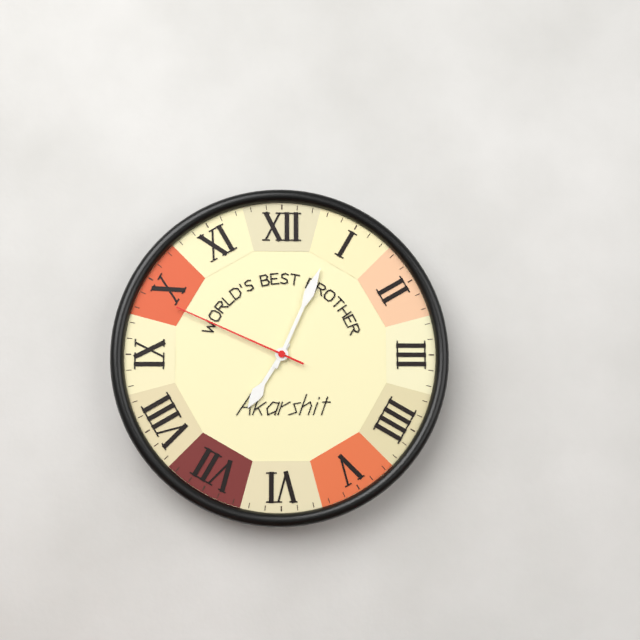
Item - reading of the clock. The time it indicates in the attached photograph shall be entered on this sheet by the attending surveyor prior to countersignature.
7:04:49
